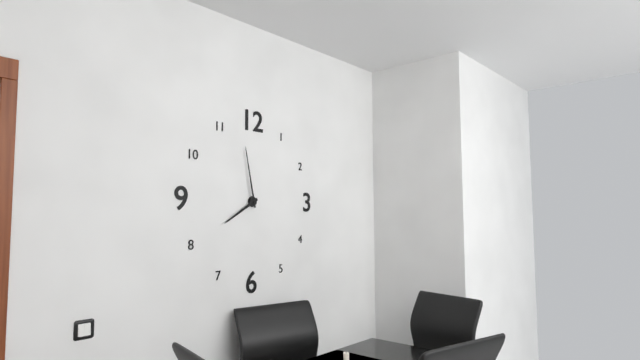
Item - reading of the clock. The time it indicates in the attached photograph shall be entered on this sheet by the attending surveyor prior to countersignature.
7:58
